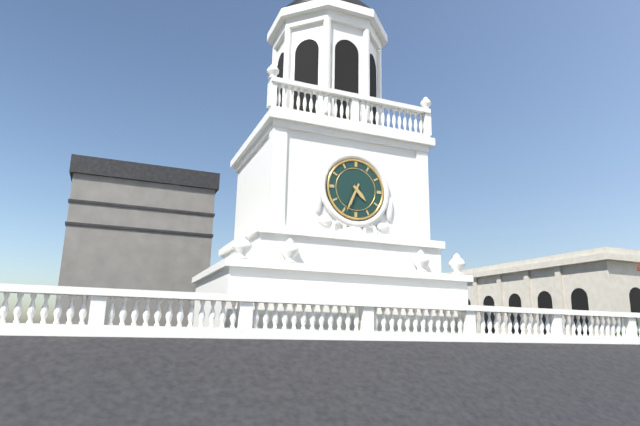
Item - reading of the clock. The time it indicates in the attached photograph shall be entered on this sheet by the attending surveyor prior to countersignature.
4:34
